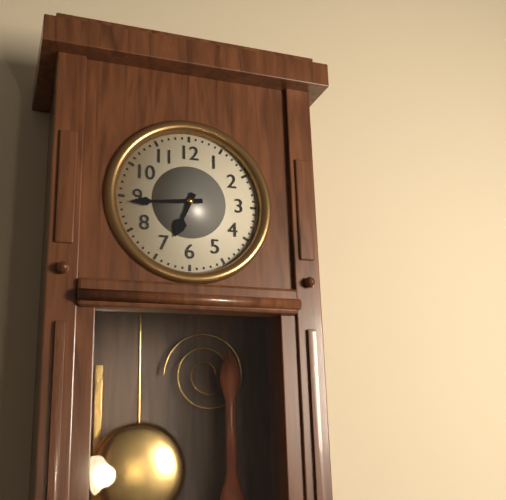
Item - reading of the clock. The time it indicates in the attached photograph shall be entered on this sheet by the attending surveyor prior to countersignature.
6:44
